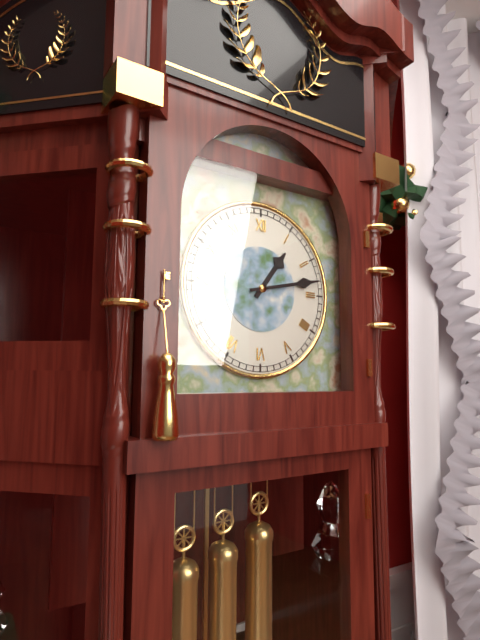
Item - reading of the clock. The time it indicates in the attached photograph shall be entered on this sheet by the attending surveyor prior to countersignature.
1:13
